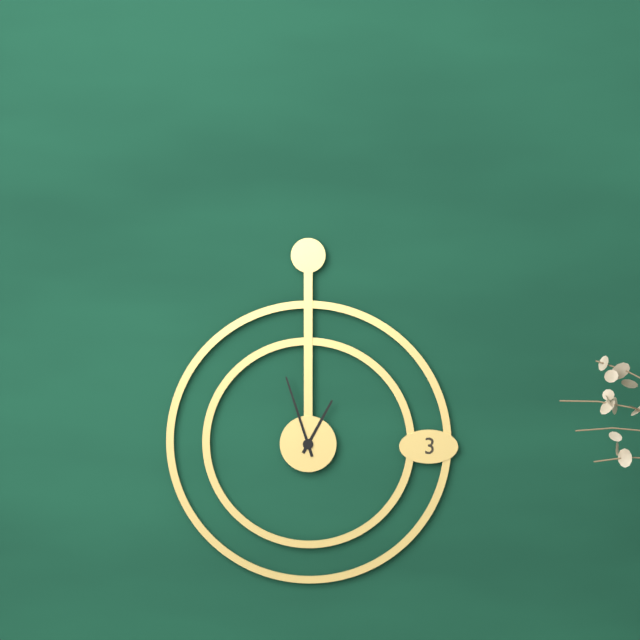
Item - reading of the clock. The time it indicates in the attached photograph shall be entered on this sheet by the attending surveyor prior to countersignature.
12:57
